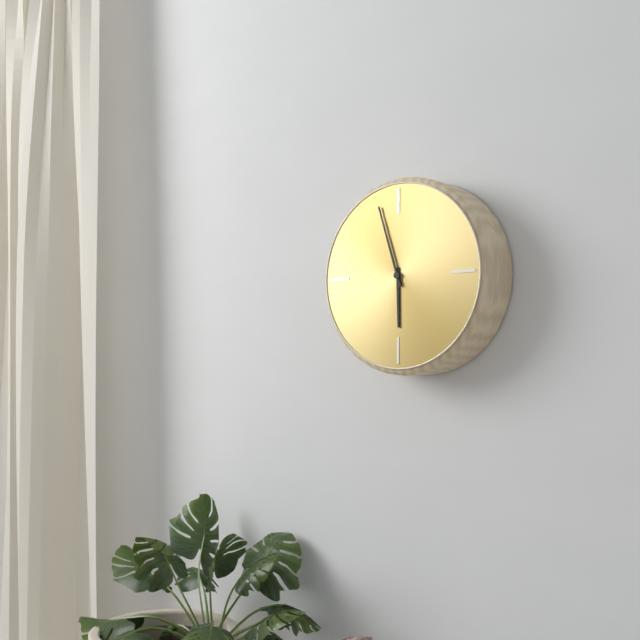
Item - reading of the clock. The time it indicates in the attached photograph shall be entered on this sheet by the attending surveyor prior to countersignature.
5:57
